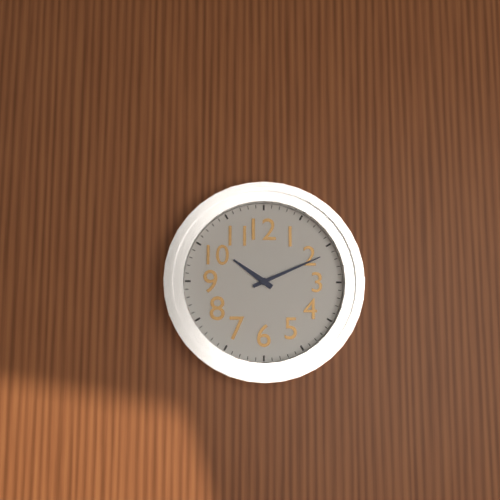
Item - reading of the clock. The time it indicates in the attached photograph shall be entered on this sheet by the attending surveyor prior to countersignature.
10:11
